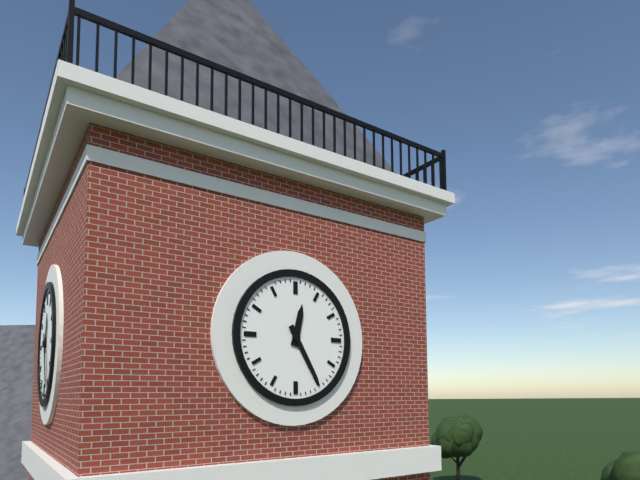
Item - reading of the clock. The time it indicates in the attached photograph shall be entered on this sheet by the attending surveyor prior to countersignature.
12:25
